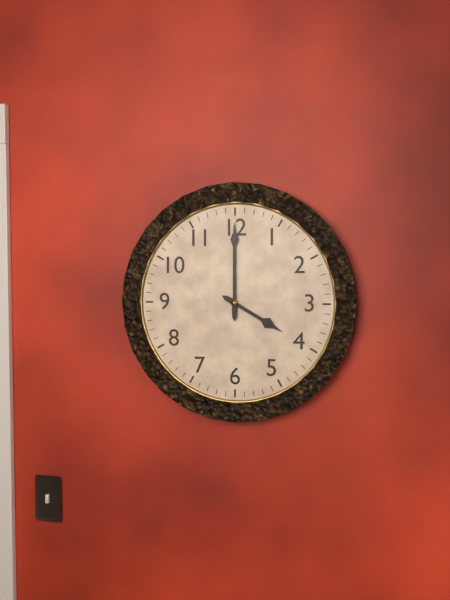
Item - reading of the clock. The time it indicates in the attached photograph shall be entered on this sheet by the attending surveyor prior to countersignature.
4:00
